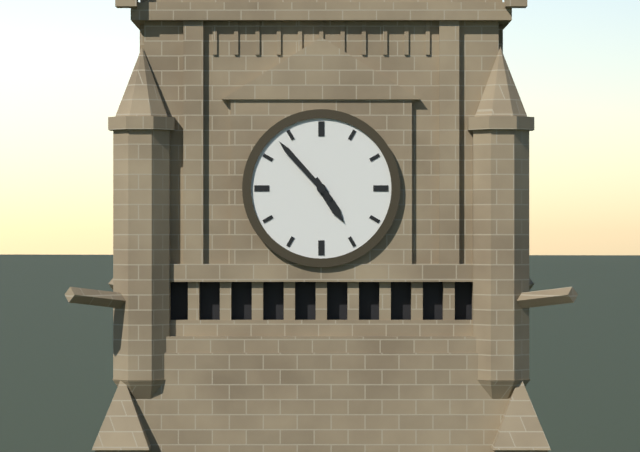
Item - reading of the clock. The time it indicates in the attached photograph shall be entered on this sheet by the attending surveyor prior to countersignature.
4:53
